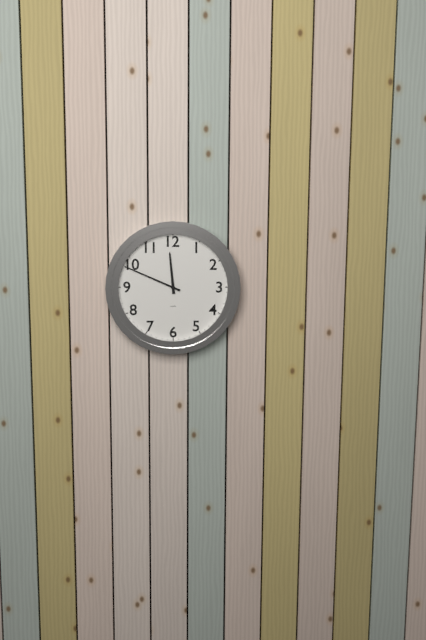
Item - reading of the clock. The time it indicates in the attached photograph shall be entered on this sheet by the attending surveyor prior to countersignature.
11:49
